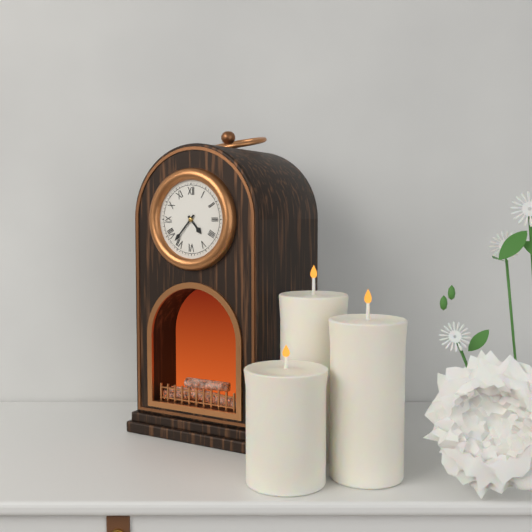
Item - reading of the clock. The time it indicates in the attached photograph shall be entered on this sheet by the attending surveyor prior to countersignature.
4:37
